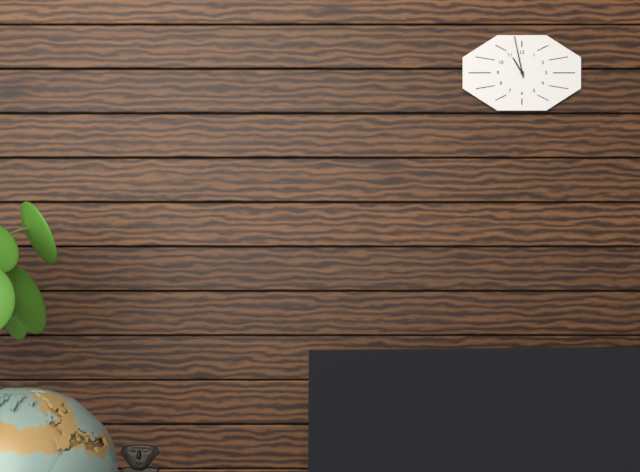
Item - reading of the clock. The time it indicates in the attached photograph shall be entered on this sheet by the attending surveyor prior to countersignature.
10:58
